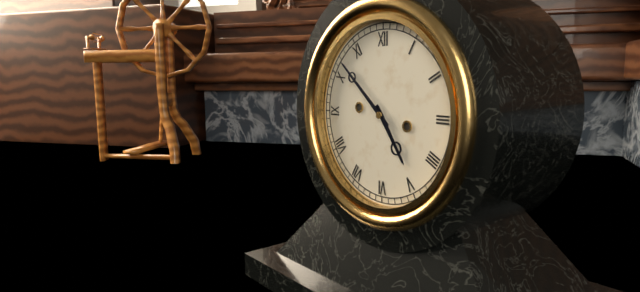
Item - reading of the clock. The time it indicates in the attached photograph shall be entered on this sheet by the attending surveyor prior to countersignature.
4:52
